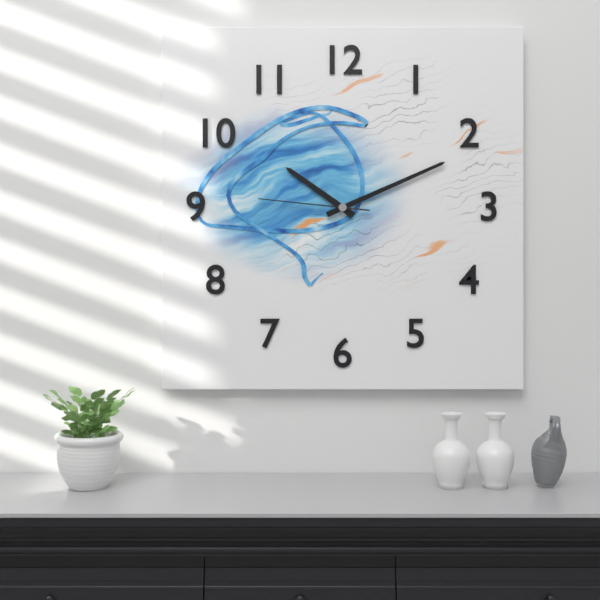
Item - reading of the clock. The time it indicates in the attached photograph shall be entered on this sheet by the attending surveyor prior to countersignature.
10:11:46
